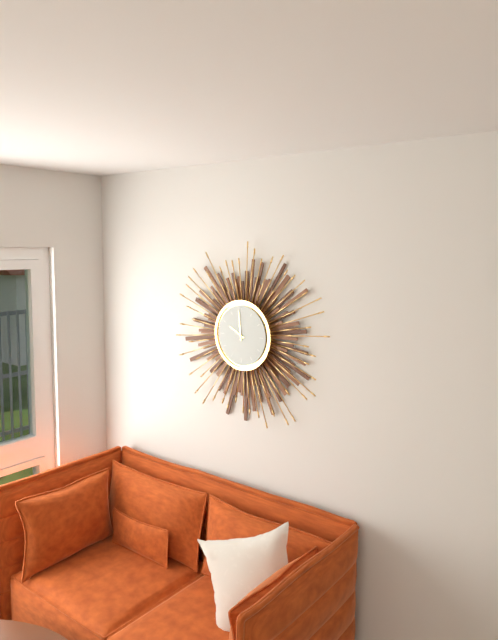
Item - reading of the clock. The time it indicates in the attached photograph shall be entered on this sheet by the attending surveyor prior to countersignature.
9:59
